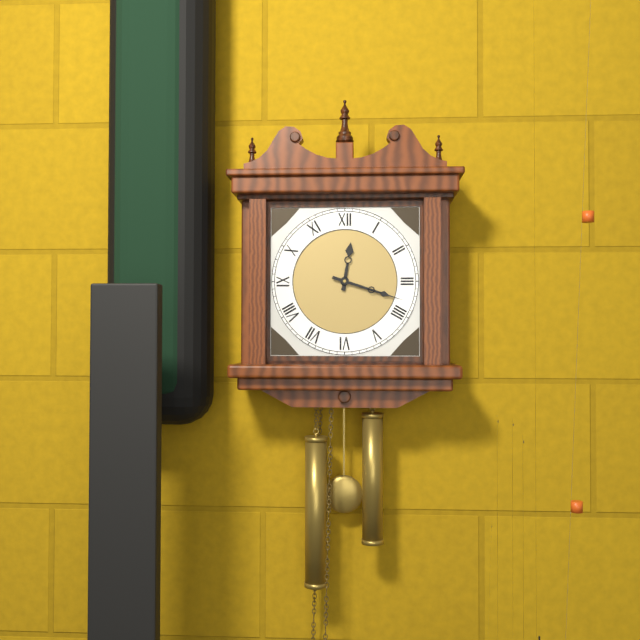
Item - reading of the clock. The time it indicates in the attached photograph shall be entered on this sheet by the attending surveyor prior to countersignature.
12:18
